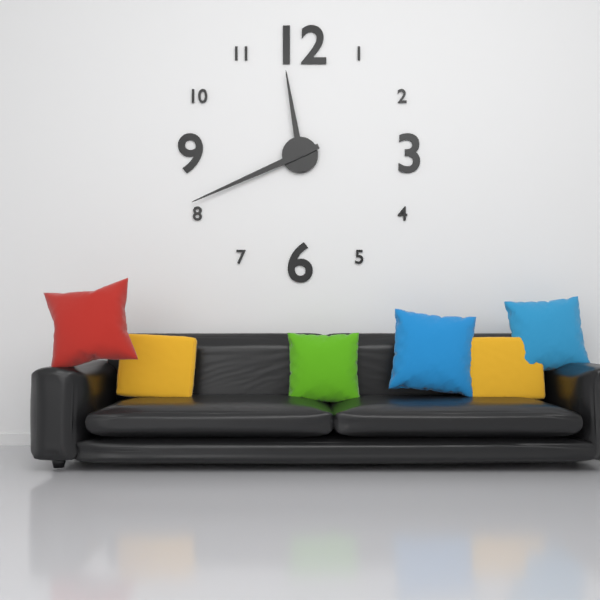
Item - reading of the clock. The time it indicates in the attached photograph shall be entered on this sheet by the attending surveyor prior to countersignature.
11:41
